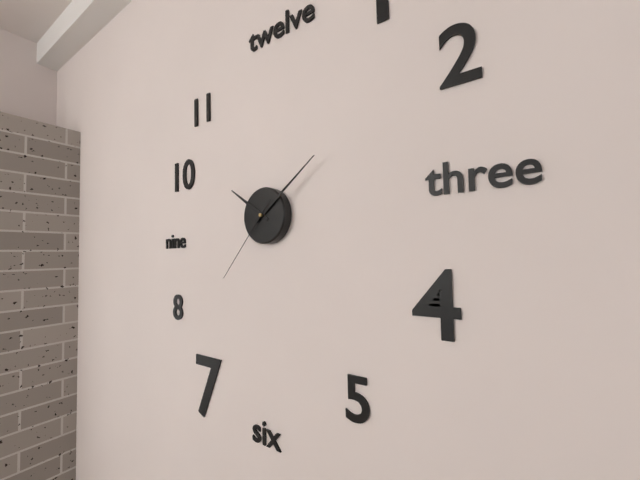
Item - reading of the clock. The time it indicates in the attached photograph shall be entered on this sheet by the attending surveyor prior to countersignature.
10:09:37
